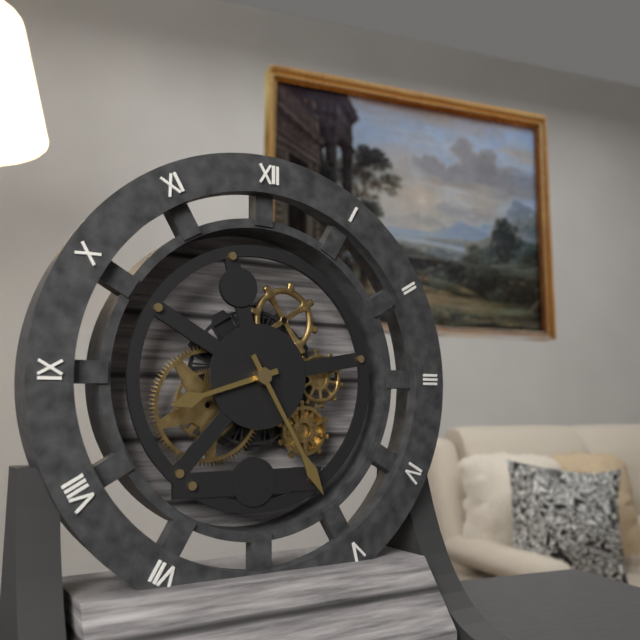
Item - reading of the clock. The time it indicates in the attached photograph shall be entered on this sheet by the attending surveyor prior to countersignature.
8:25
